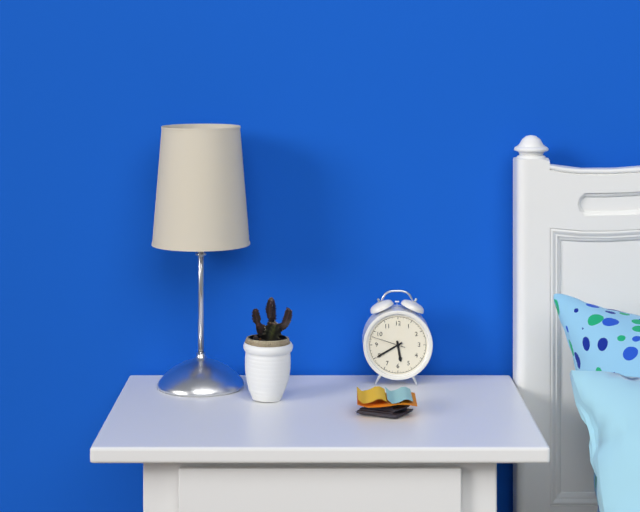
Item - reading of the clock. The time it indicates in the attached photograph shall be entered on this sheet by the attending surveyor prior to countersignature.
5:40
